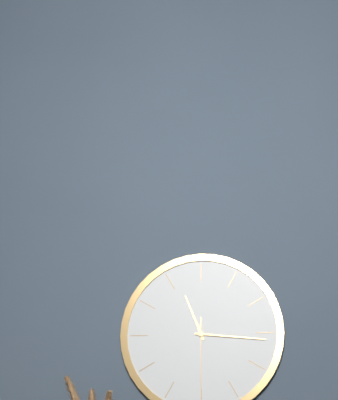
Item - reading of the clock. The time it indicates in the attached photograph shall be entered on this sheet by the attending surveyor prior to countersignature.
11:16
